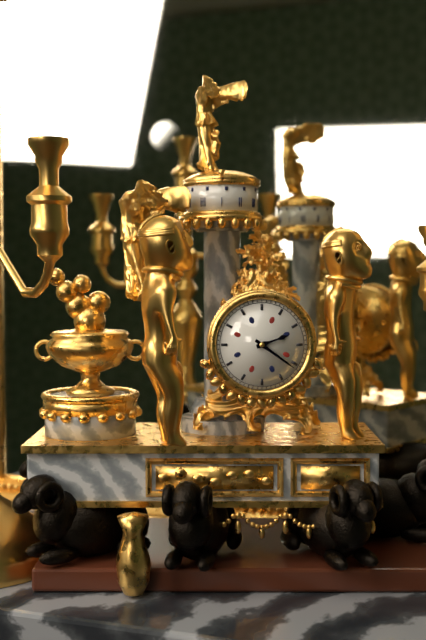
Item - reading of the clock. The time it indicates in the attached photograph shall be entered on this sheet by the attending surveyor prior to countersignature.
2:21
